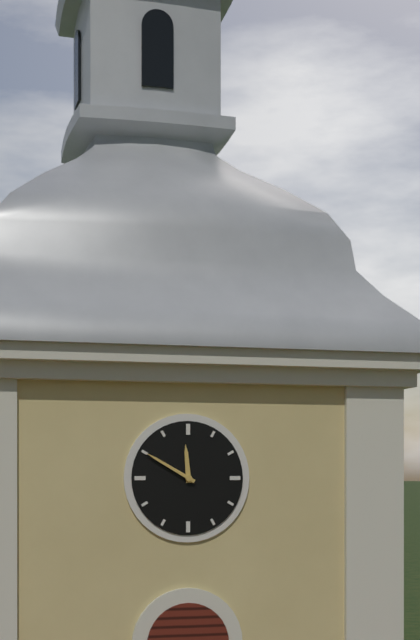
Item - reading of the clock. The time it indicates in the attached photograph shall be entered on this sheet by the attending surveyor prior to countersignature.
11:50
